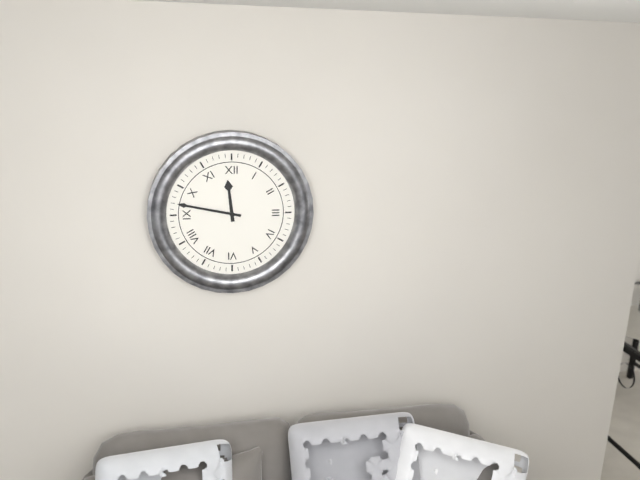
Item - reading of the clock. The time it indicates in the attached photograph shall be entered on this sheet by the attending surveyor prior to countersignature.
11:47
